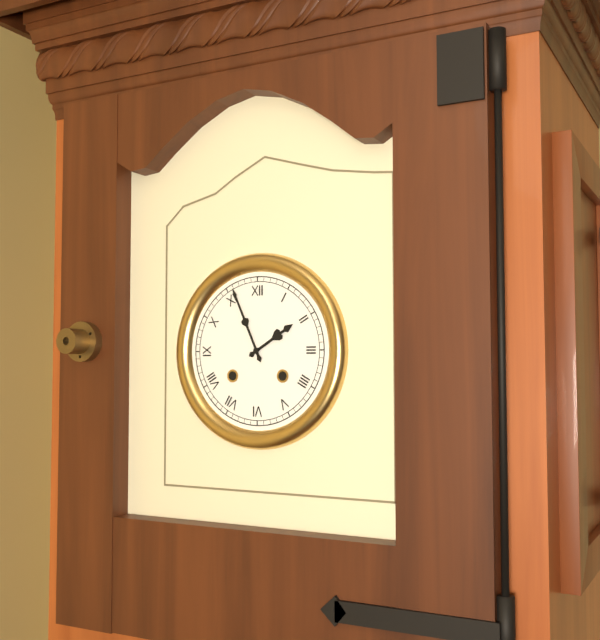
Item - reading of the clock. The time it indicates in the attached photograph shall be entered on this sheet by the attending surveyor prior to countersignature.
1:56
